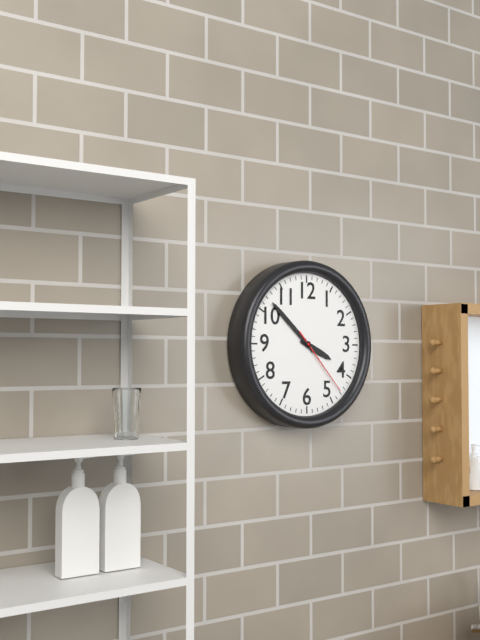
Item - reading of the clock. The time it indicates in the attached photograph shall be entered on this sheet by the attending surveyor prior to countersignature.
3:52:23
